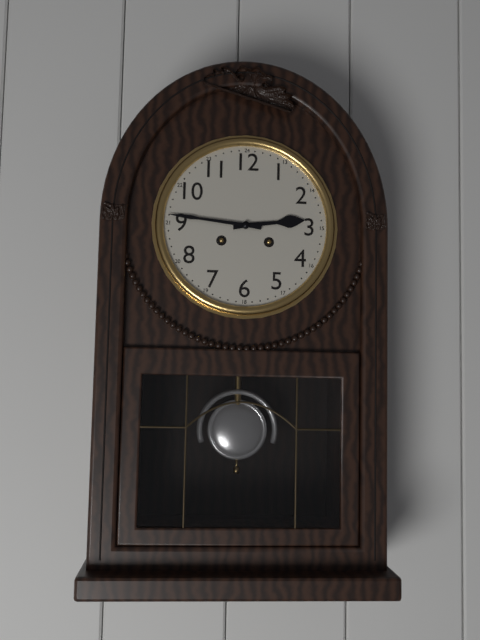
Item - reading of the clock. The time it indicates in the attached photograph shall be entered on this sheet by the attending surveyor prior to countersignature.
2:46
